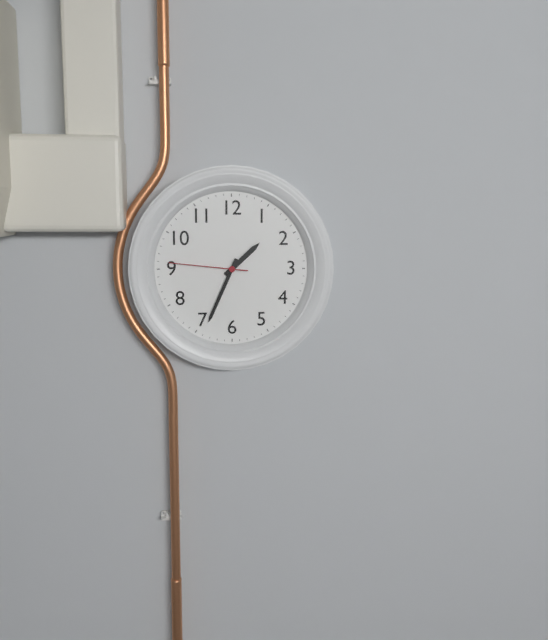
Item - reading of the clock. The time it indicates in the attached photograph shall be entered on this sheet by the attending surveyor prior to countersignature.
1:34:46
